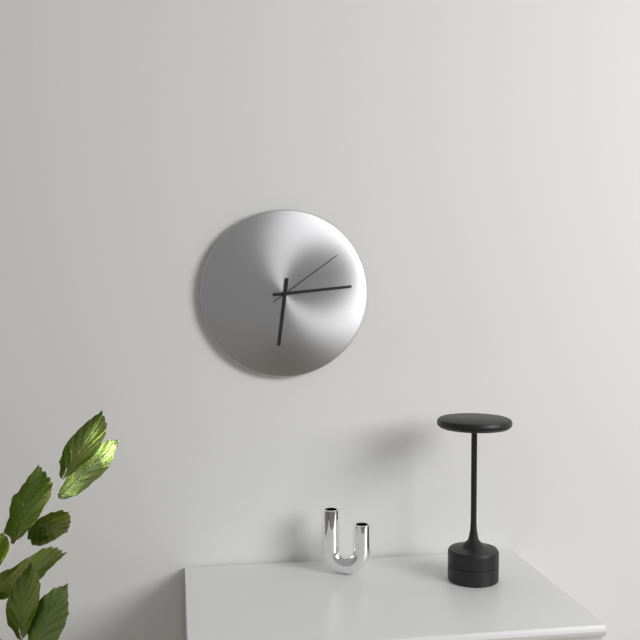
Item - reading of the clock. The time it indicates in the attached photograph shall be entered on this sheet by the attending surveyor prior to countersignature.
6:14:09
